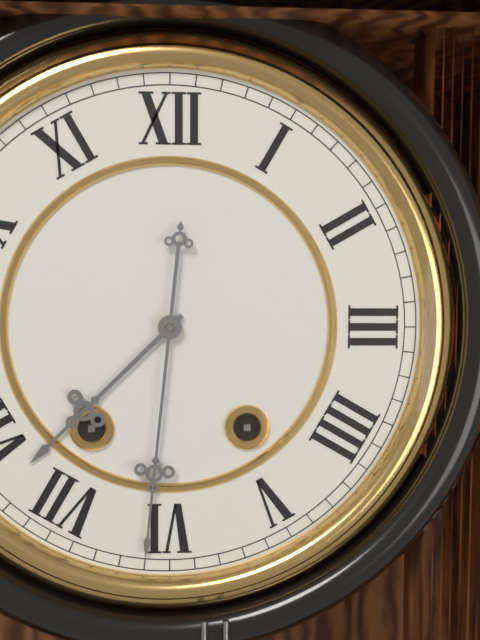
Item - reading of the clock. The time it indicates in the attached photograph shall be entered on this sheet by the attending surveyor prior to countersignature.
7:31
